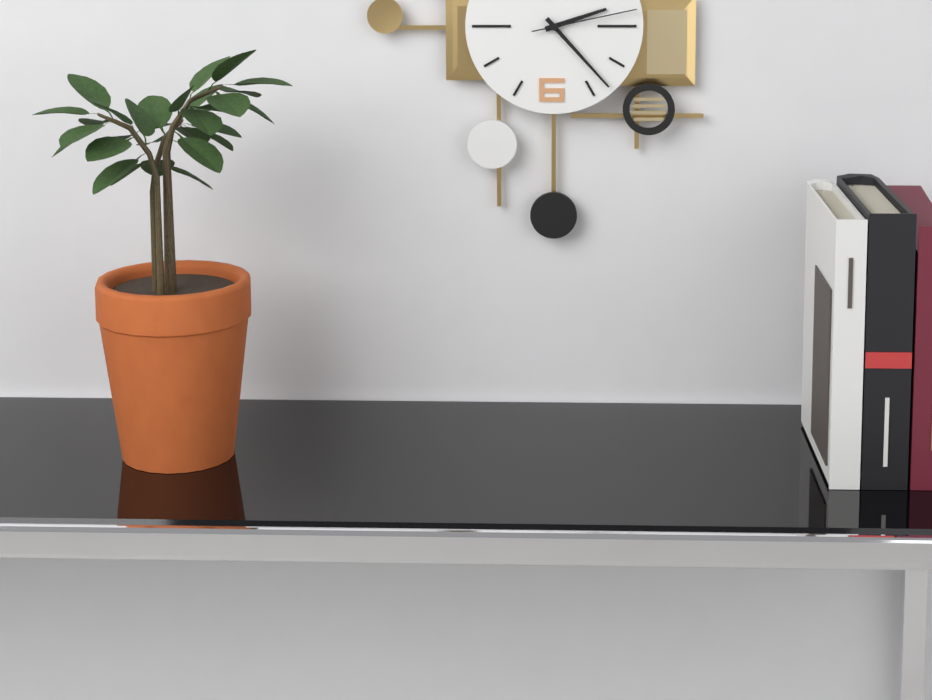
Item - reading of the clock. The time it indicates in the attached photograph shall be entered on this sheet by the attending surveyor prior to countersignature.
2:23:13
